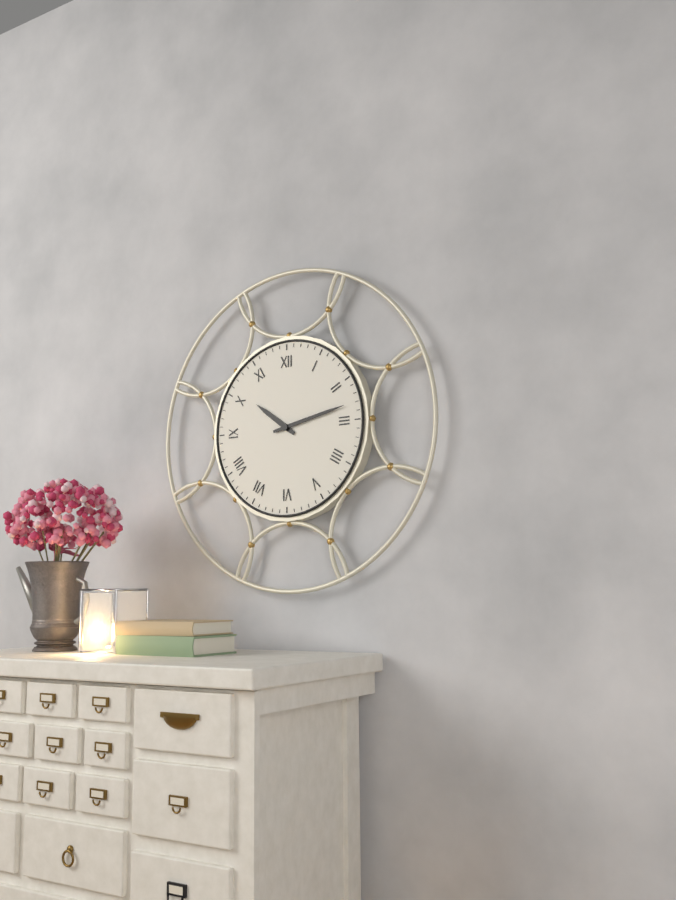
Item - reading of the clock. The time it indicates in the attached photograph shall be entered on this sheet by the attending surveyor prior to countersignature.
10:13
